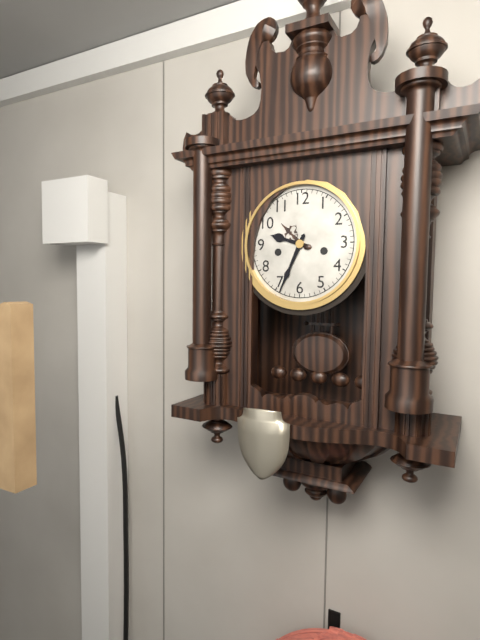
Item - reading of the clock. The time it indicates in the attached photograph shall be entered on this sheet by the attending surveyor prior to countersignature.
9:34
